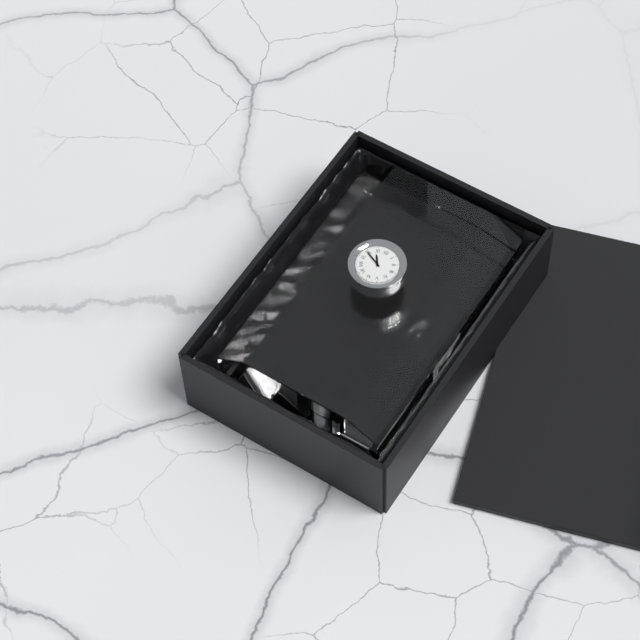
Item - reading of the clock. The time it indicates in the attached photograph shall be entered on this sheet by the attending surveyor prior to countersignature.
10:49
